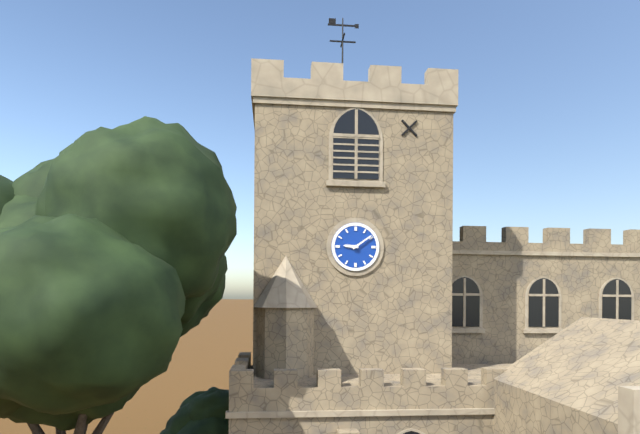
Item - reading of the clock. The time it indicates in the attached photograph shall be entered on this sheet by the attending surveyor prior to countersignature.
9:09
